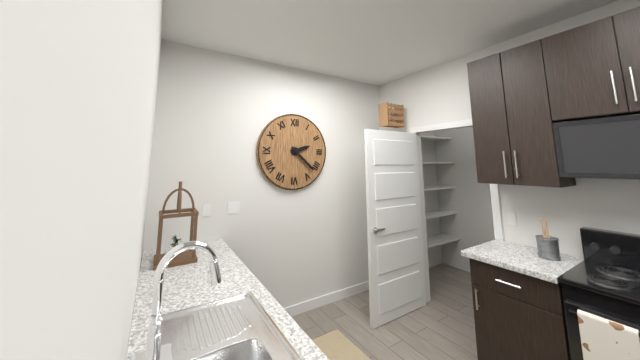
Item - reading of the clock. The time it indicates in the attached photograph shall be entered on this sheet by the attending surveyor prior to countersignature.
2:22
